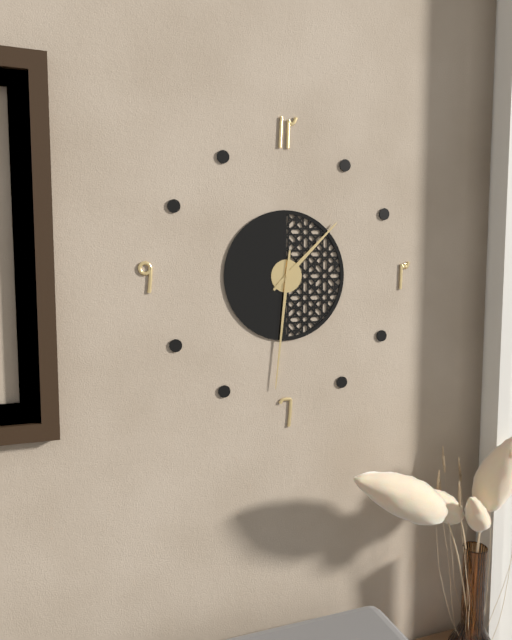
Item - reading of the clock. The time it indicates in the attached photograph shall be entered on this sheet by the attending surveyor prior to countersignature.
1:31
